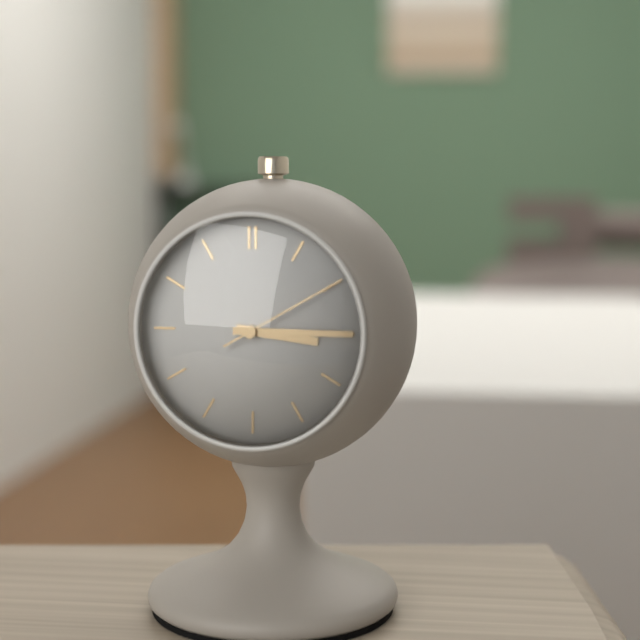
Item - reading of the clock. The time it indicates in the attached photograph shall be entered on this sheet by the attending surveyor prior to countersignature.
3:15:10
